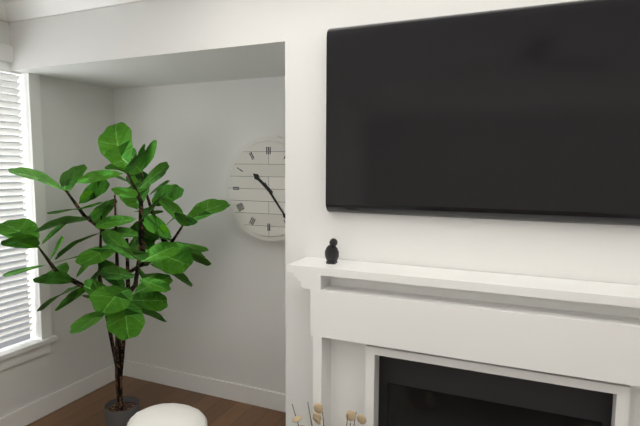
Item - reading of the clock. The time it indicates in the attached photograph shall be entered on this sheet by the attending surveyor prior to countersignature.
10:24
